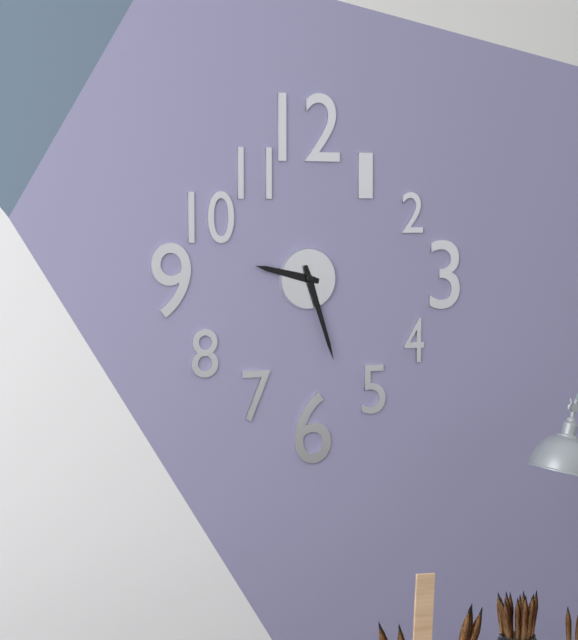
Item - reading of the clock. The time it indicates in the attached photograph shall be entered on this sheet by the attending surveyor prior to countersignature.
9:27
